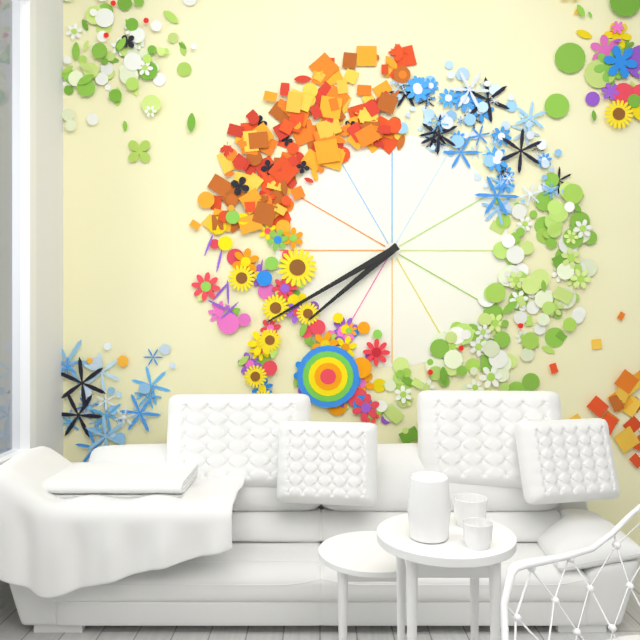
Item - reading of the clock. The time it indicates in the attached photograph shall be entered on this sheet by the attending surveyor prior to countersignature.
7:40
